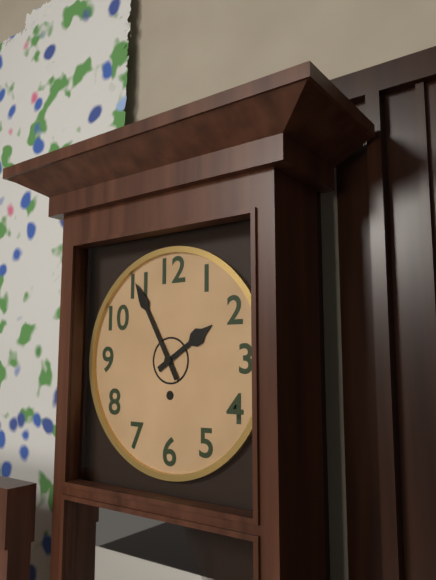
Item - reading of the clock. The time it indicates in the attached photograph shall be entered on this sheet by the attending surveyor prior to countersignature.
1:55
